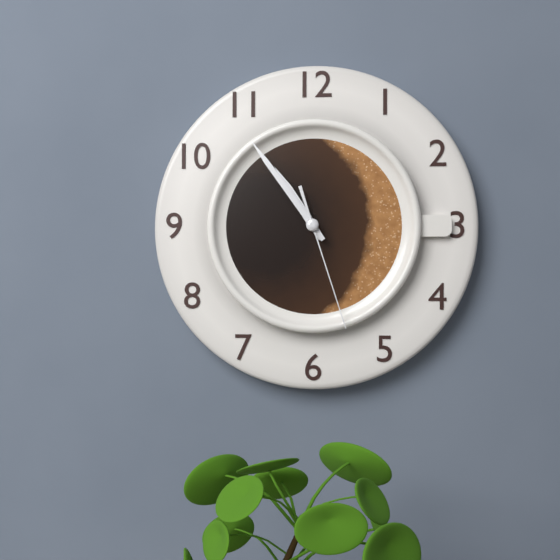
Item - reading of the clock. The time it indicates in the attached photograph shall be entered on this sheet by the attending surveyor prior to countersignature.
10:54:27
